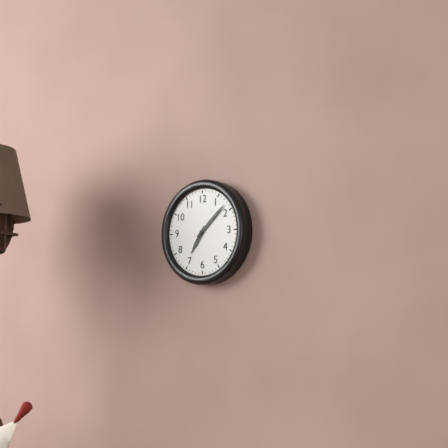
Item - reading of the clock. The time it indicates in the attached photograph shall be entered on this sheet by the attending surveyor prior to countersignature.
7:08
